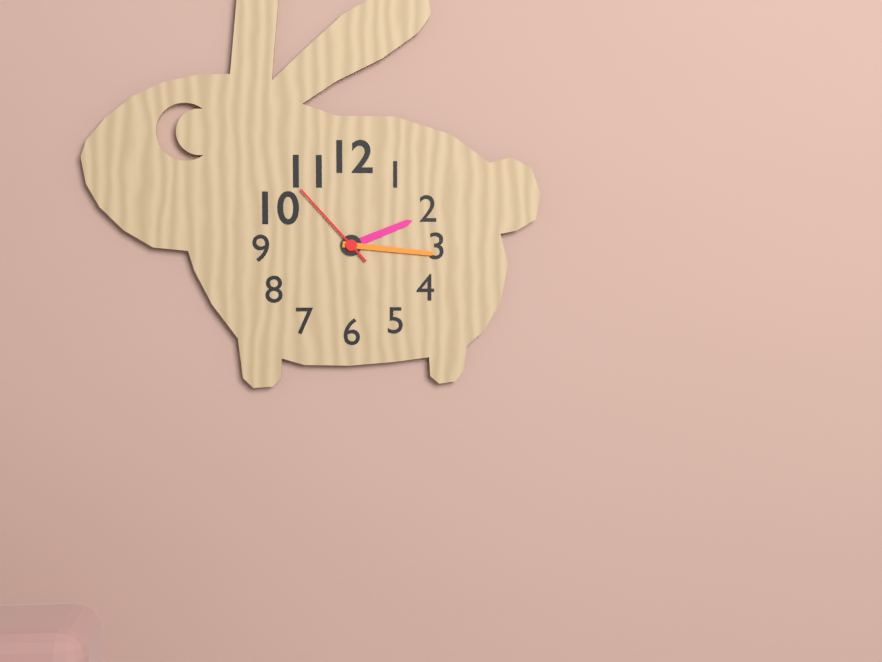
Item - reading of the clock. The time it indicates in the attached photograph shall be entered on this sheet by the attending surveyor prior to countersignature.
2:16:53
